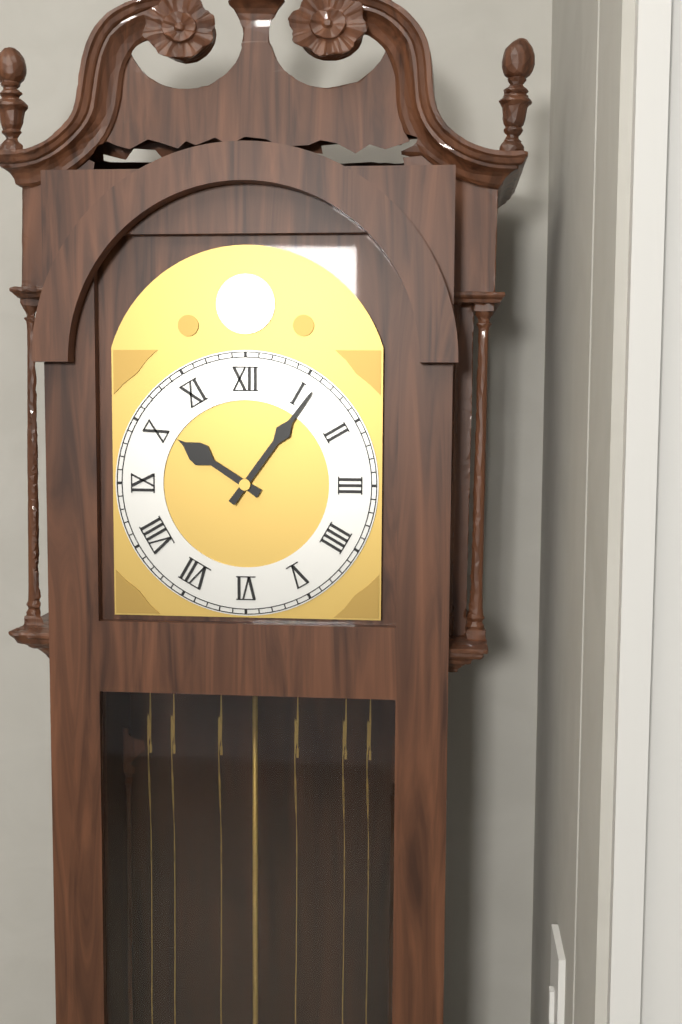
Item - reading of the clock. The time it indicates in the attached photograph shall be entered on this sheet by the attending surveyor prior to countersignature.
10:06
